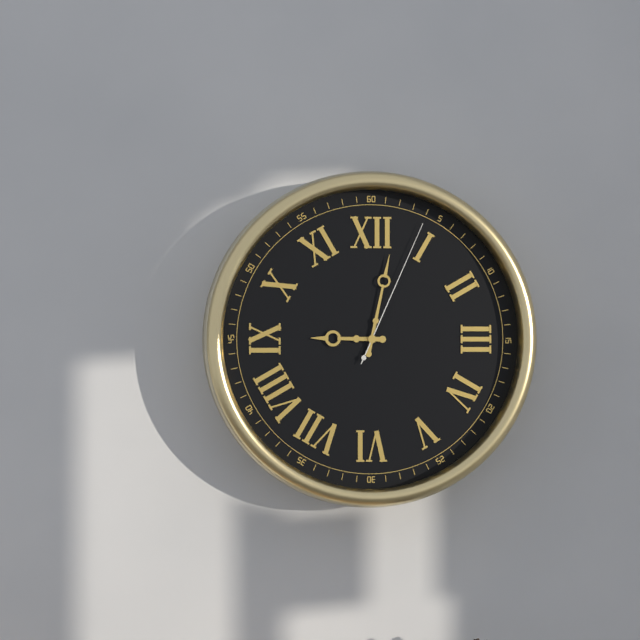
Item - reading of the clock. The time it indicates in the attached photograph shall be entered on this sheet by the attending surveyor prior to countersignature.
9:02:04
